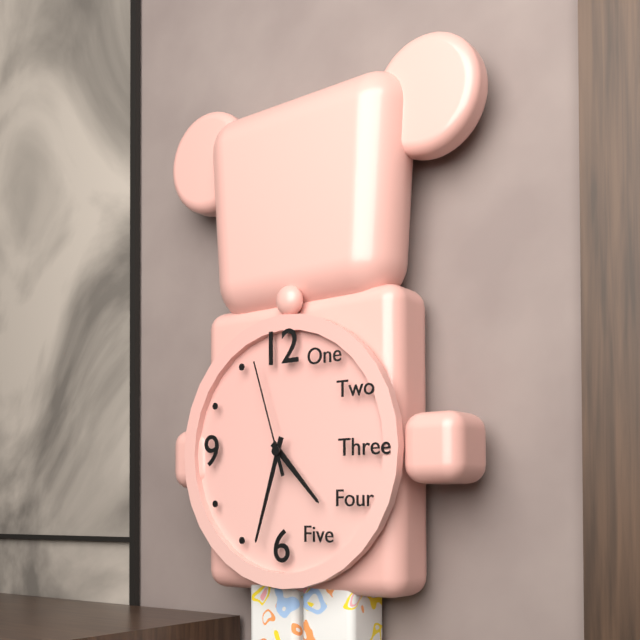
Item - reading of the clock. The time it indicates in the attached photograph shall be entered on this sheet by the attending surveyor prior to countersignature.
4:33:57
